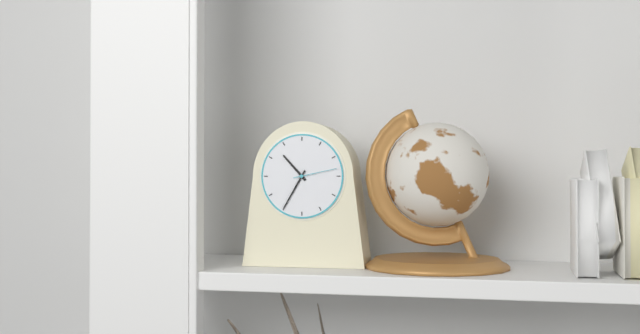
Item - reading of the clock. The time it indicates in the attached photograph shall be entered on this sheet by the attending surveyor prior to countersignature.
10:35
